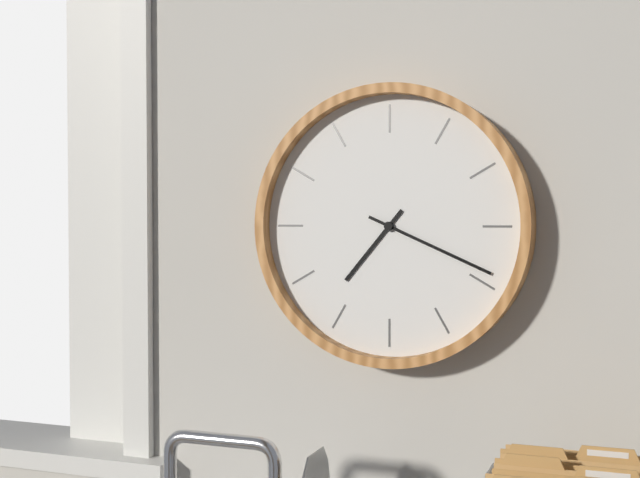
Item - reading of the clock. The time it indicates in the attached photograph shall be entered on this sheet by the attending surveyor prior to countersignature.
7:19
